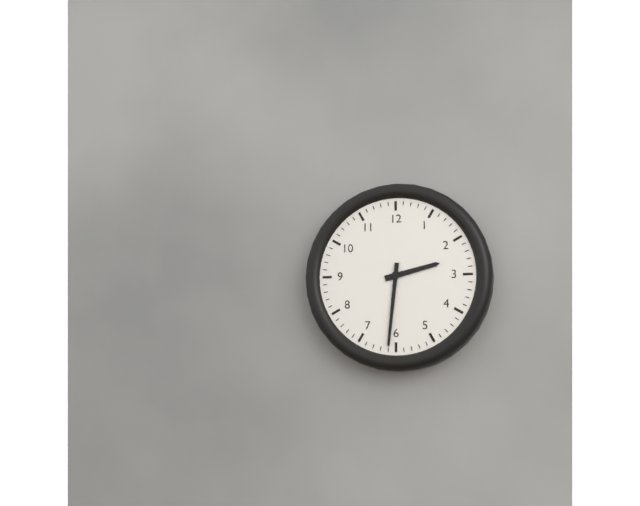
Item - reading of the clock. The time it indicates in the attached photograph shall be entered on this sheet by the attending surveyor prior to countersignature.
2:31
